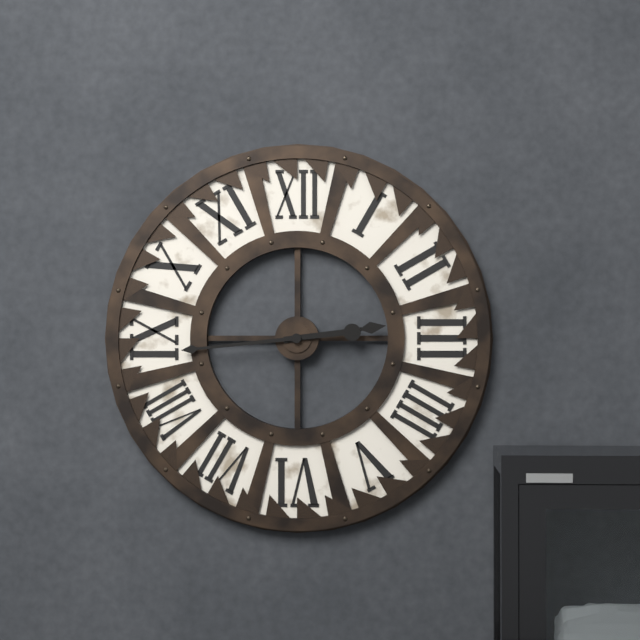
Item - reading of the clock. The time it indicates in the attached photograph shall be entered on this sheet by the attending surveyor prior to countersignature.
2:44
